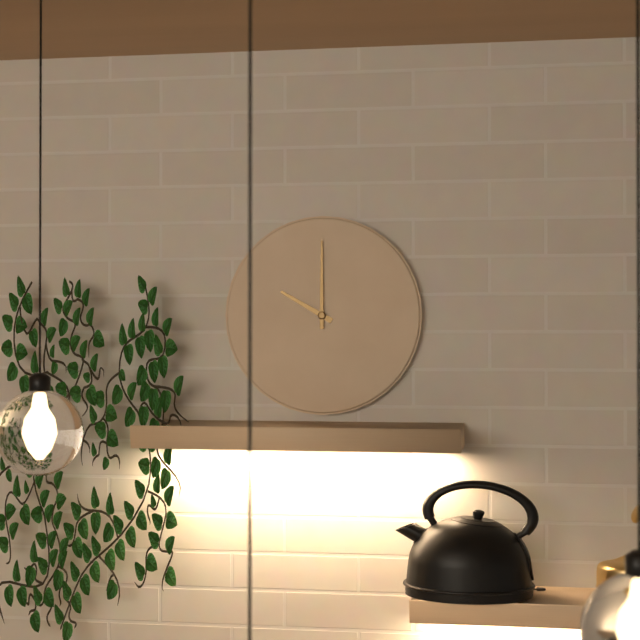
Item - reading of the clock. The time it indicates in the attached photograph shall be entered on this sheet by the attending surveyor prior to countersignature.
10:00
